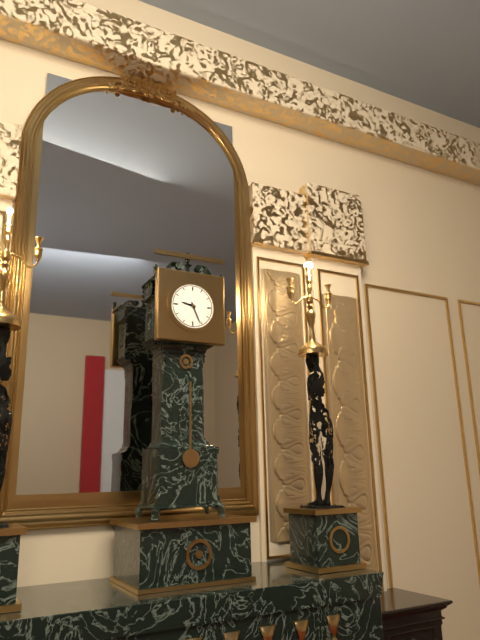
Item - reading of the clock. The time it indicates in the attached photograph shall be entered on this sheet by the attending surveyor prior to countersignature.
9:26
